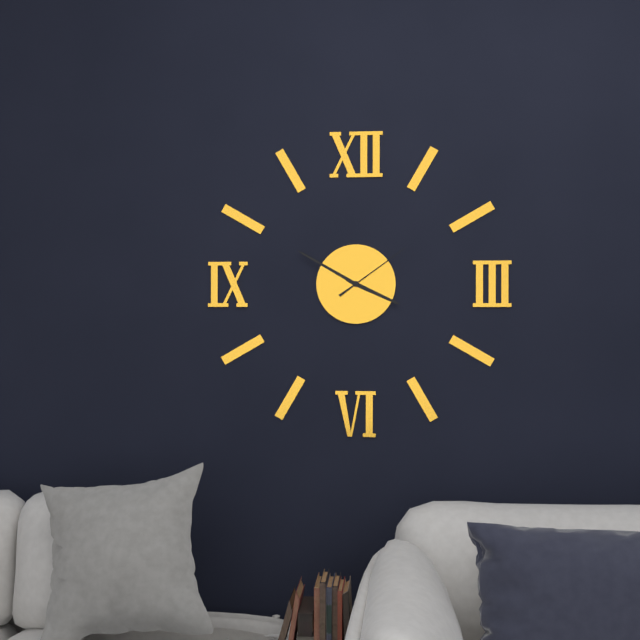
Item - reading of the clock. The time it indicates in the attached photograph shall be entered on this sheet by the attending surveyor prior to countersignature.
3:50:09
